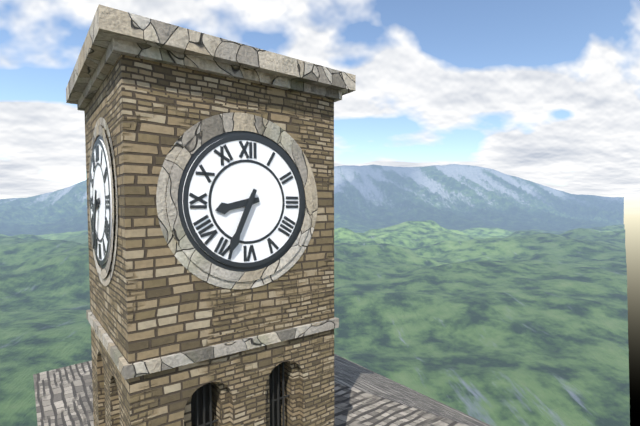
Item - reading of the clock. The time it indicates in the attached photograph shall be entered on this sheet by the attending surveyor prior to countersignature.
8:34
